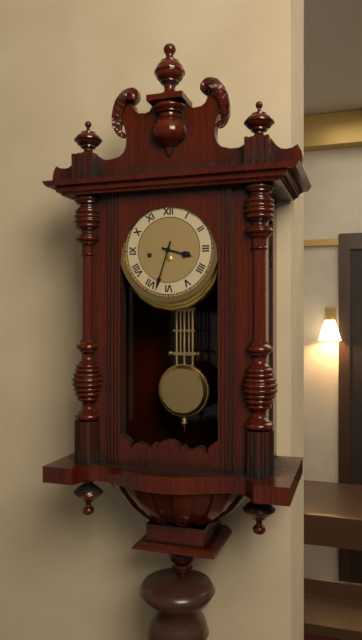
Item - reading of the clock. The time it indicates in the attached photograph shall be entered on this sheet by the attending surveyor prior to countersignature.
3:33
